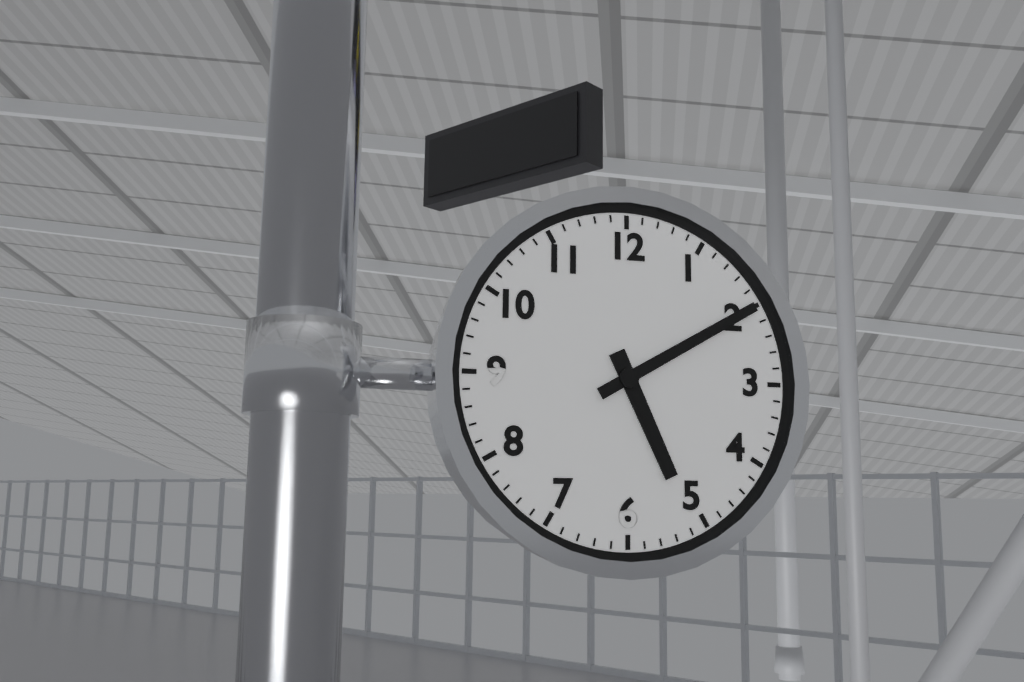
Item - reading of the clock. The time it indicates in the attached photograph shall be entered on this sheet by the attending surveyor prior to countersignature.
5:10
